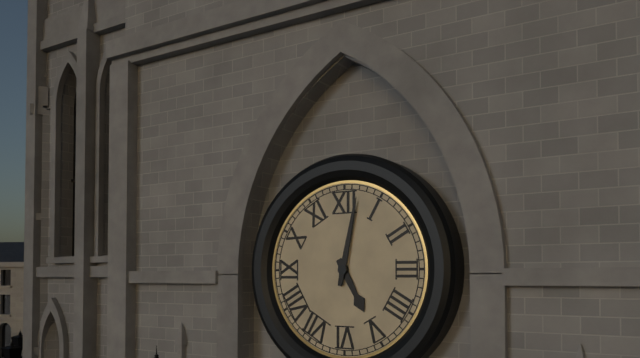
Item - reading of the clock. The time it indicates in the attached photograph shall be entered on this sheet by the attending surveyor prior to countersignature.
5:02
